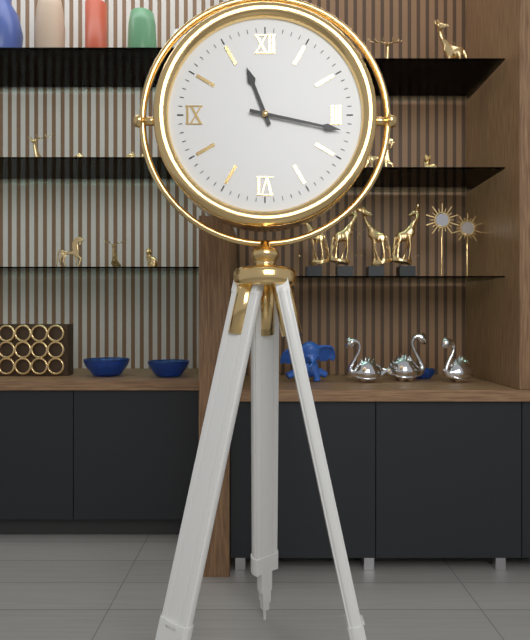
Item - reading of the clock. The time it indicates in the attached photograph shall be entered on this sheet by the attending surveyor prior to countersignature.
11:17
